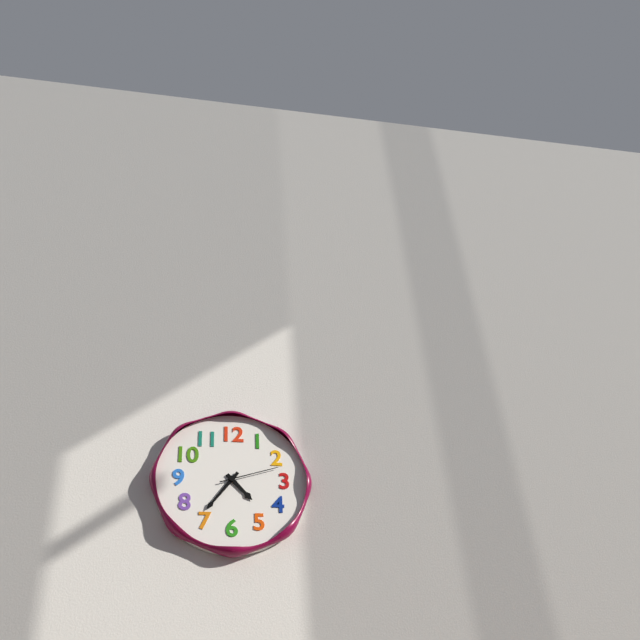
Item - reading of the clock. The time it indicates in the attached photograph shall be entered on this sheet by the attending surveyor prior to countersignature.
4:36:12
